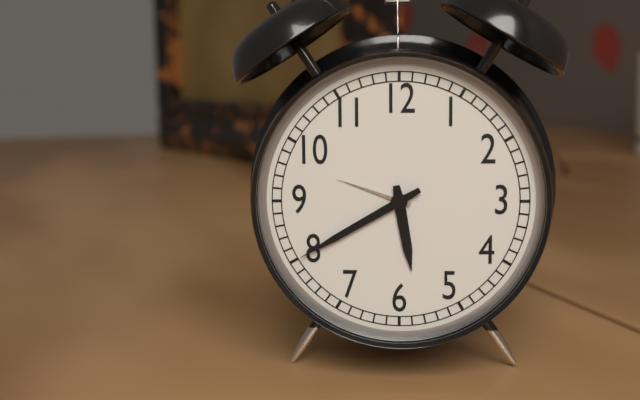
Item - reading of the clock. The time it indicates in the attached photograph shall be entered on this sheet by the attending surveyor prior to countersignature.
5:40
